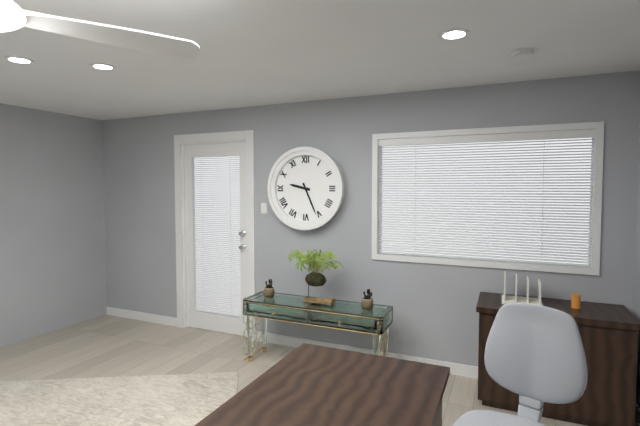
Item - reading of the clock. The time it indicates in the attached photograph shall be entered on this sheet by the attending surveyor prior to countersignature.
9:26
